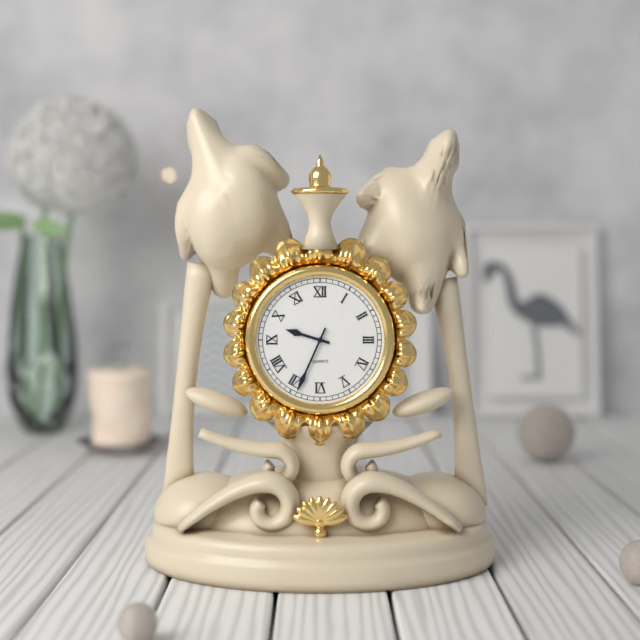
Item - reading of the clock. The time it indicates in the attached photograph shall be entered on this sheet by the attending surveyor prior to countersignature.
9:34
